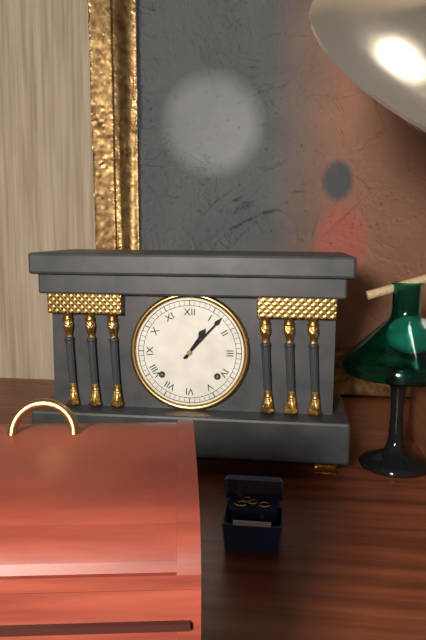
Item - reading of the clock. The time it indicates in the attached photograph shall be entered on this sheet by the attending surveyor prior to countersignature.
1:07
